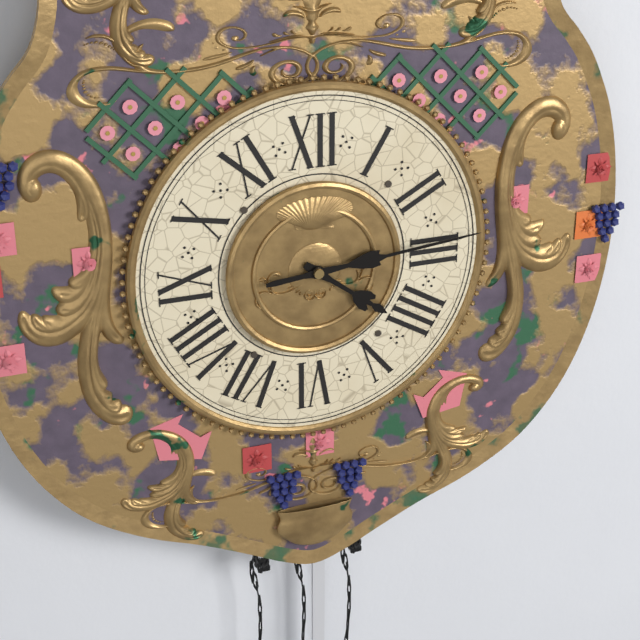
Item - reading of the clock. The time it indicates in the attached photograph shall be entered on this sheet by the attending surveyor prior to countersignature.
4:14
